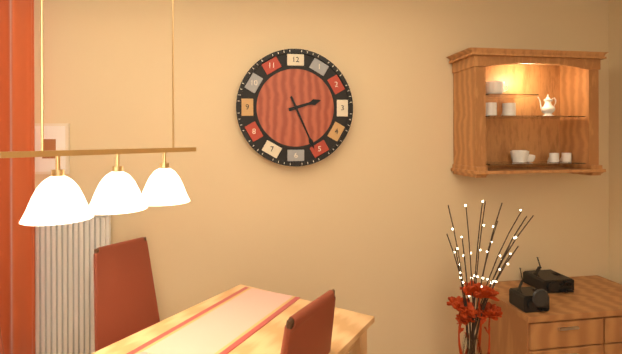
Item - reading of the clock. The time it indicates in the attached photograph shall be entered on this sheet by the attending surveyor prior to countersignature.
2:26
